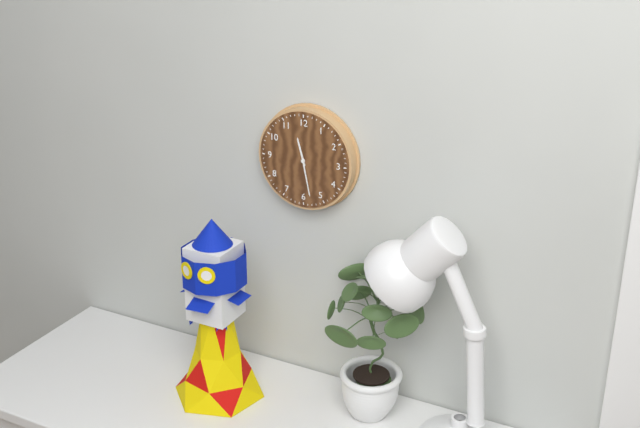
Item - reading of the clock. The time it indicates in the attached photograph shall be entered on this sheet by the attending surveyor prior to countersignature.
11:28
